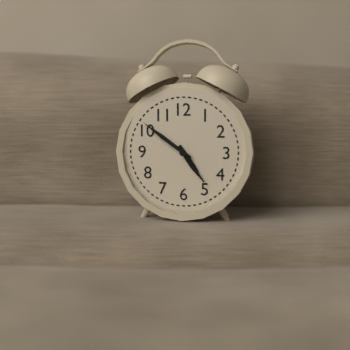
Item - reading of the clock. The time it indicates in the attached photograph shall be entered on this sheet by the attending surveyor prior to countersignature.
4:51
